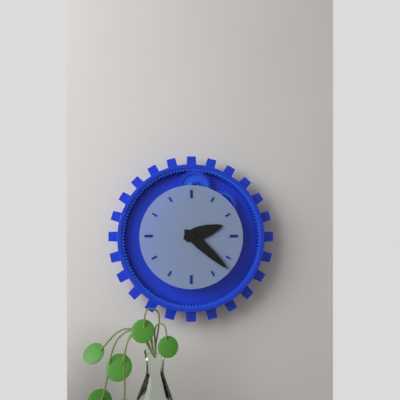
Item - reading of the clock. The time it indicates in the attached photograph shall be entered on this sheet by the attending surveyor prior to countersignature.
2:22
